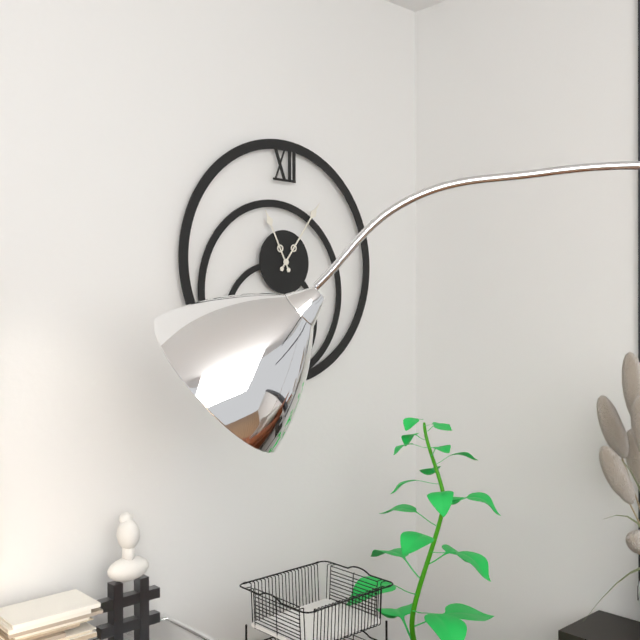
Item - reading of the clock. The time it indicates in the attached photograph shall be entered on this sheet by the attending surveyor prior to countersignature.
11:06
